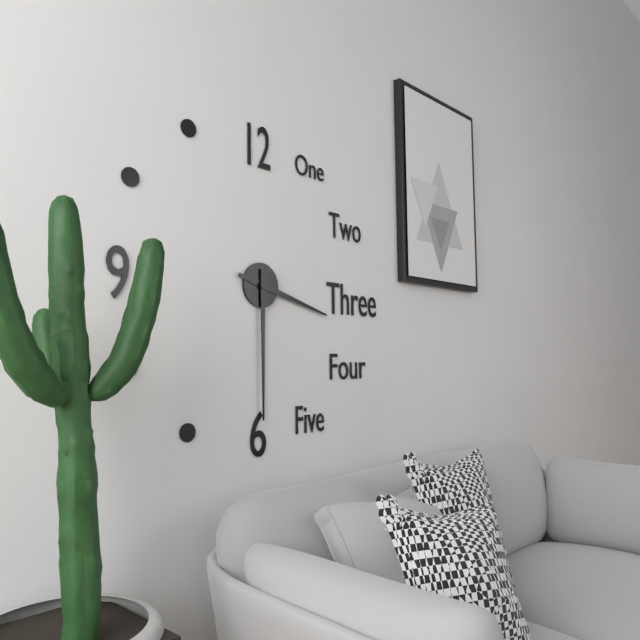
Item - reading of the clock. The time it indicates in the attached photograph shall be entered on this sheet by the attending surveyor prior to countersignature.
3:30
